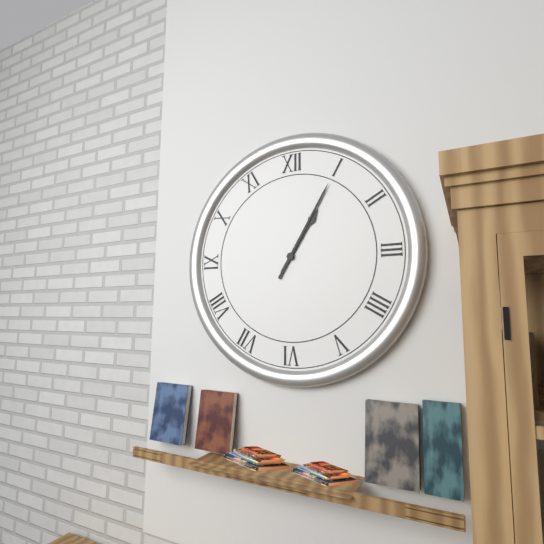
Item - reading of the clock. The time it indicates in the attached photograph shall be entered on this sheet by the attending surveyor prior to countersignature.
1:05
